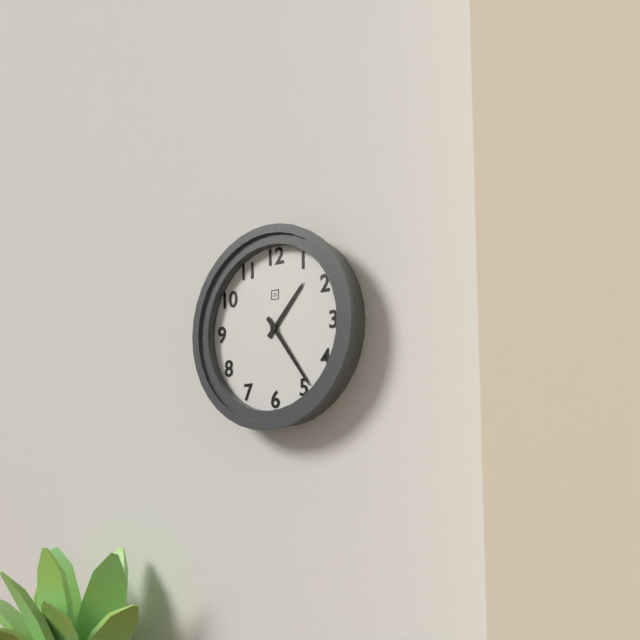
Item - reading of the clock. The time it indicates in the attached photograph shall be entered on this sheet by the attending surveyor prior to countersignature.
1:24
